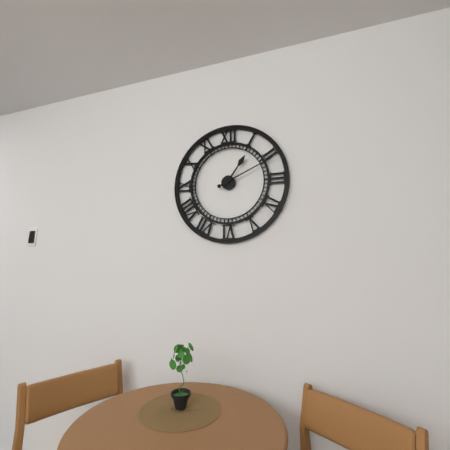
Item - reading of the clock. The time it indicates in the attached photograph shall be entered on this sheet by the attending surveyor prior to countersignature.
1:11
